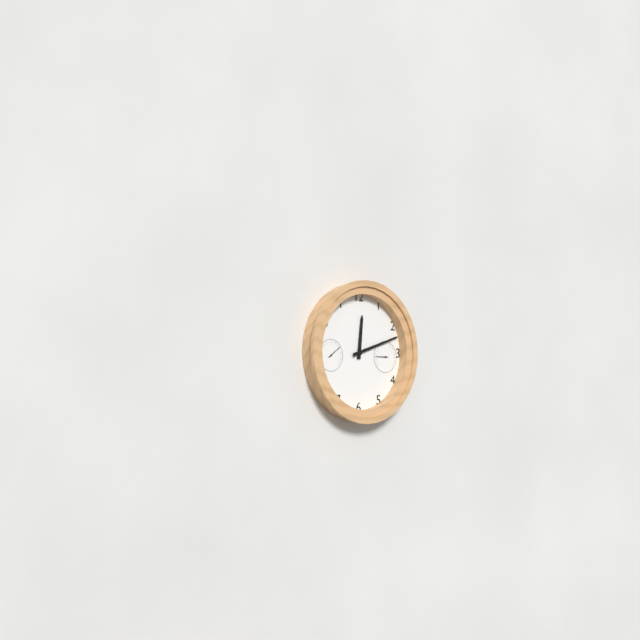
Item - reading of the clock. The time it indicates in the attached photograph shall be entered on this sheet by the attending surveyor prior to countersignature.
12:12
